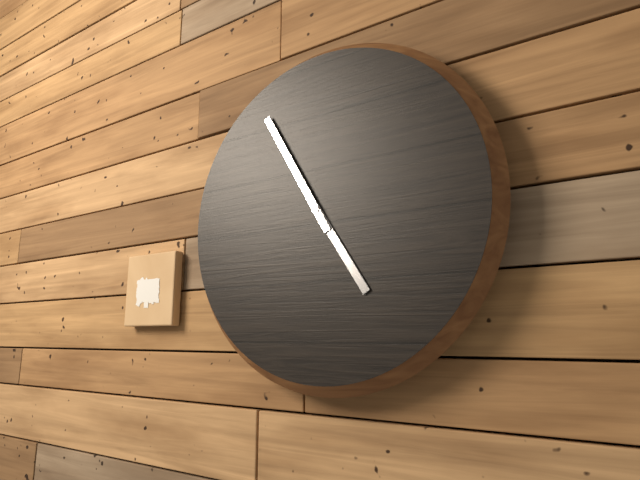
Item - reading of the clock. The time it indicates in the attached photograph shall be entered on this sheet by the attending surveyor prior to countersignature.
4:55
